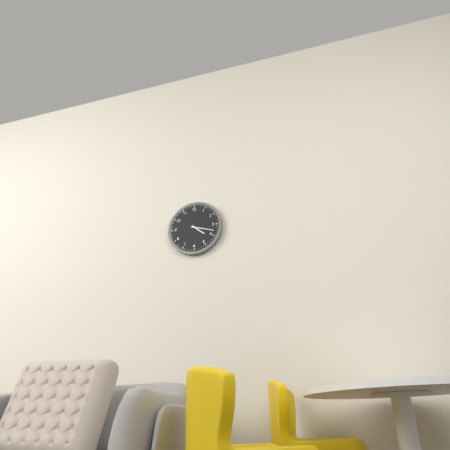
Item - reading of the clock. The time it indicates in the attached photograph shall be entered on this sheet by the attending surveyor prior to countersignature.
4:18
